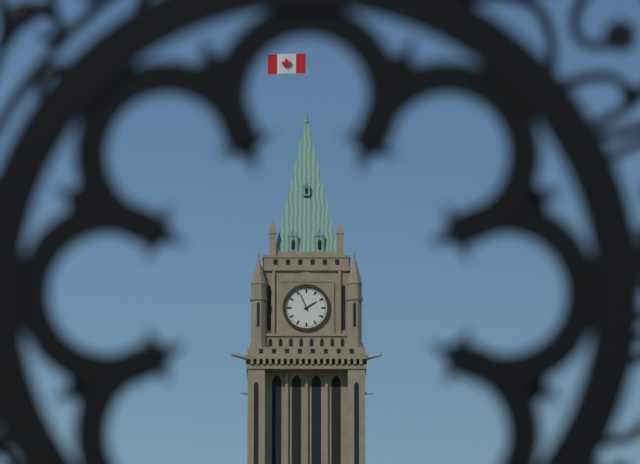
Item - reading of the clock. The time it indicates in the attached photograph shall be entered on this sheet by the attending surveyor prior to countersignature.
1:56
